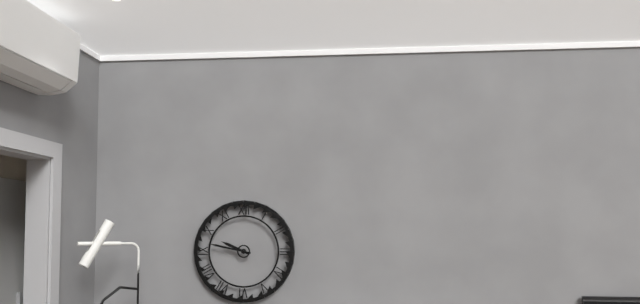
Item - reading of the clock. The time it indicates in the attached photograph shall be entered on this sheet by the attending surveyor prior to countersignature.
9:47
